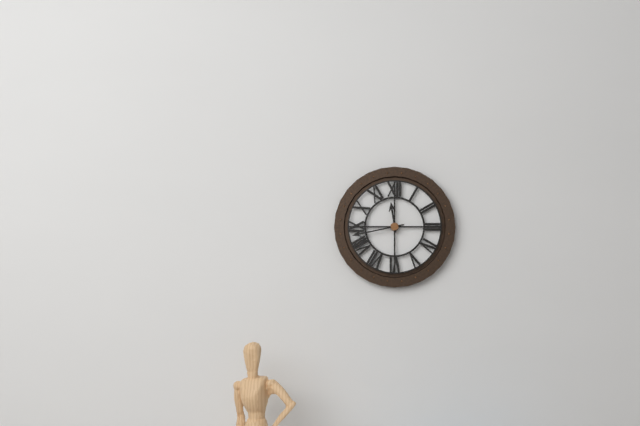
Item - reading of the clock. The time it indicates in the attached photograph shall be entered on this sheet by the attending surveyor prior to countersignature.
11:43
